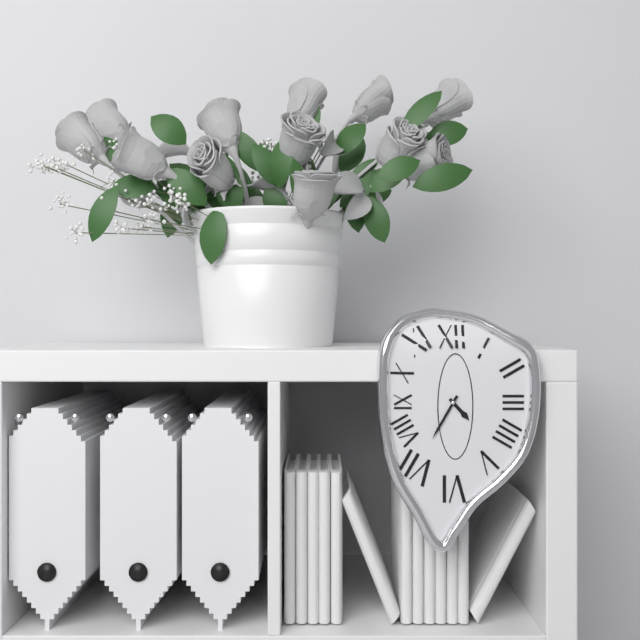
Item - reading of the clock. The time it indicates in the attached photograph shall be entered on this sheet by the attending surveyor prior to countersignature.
4:35
